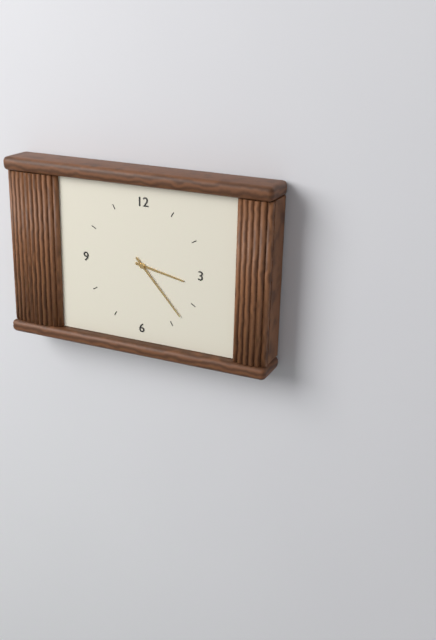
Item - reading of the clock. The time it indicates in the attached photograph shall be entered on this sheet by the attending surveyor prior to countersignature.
3:23
